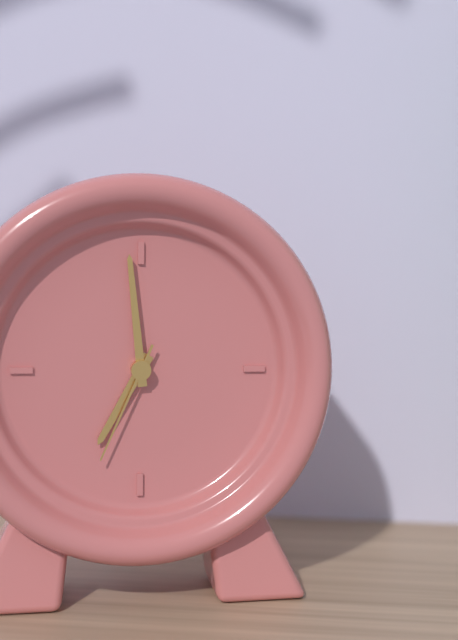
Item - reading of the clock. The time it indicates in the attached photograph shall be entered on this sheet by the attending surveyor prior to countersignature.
6:59:34
